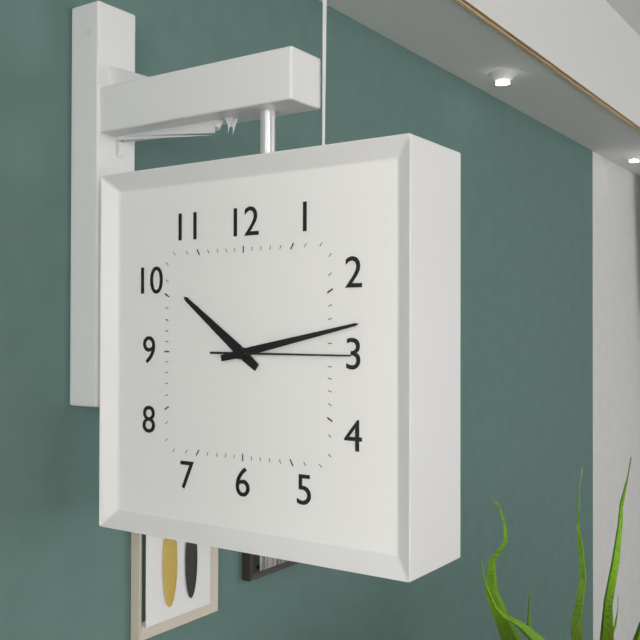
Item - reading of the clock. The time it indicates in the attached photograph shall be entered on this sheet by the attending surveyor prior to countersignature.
10:13:15
